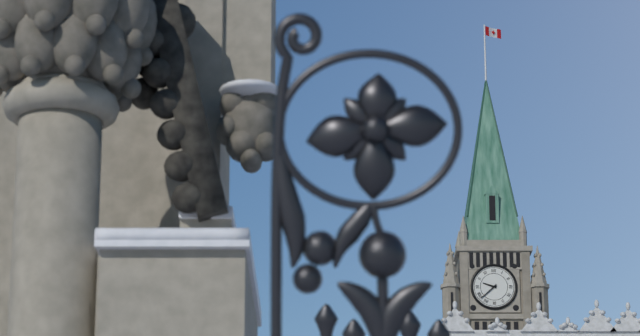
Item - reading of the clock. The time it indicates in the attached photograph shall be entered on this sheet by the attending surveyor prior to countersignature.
9:38
